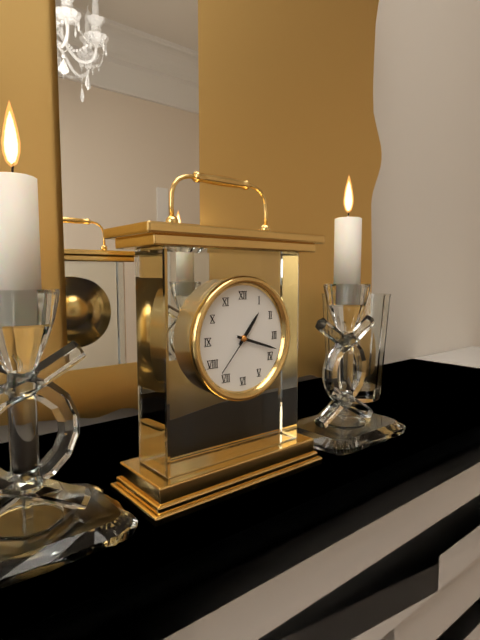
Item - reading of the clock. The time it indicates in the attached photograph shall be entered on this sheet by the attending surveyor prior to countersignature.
1:18:37
